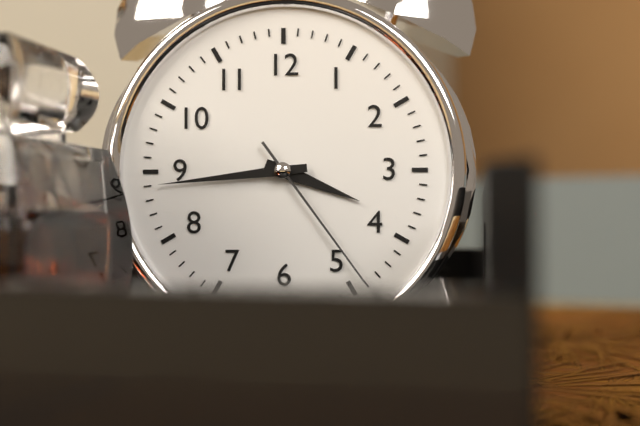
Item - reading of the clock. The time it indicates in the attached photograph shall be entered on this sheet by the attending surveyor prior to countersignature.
3:44:24
